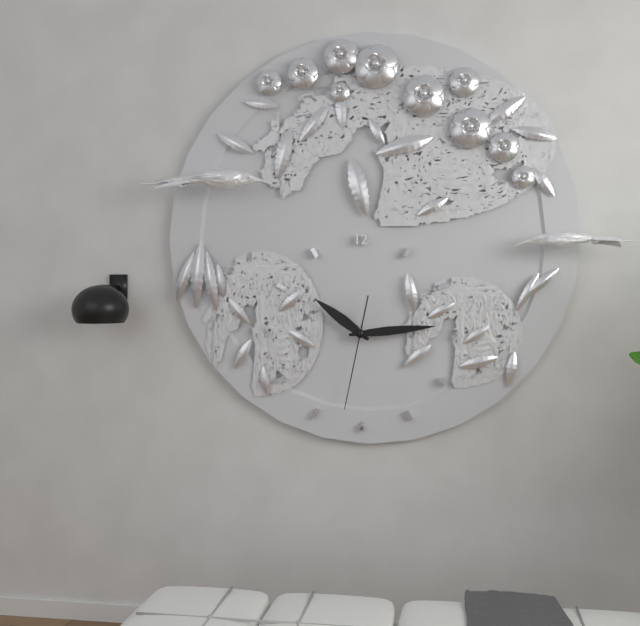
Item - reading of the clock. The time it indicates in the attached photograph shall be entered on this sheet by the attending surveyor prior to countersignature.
10:14:32
